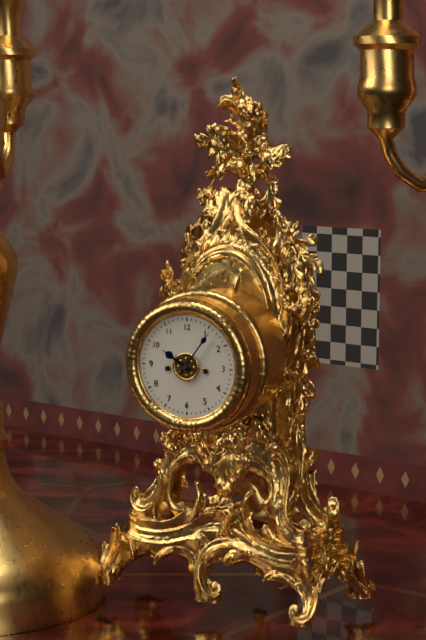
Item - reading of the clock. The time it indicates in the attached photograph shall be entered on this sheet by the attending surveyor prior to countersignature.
10:06
